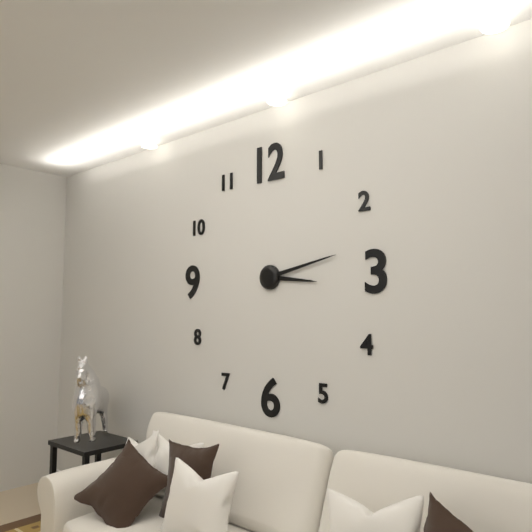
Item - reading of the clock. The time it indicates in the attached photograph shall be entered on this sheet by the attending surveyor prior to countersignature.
3:13
